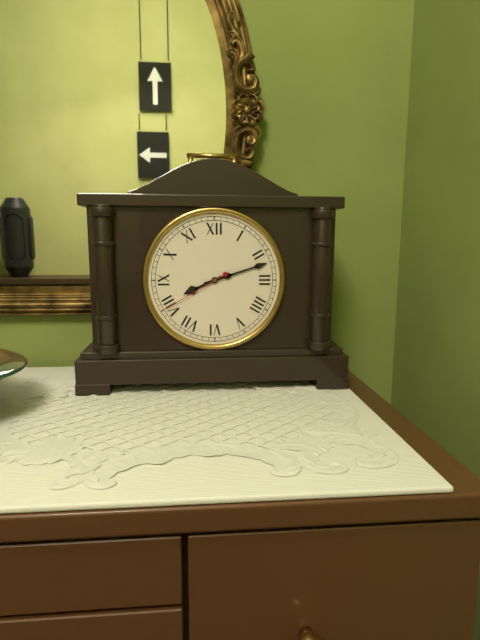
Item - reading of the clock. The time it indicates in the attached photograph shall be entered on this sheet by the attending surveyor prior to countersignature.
8:12:40
